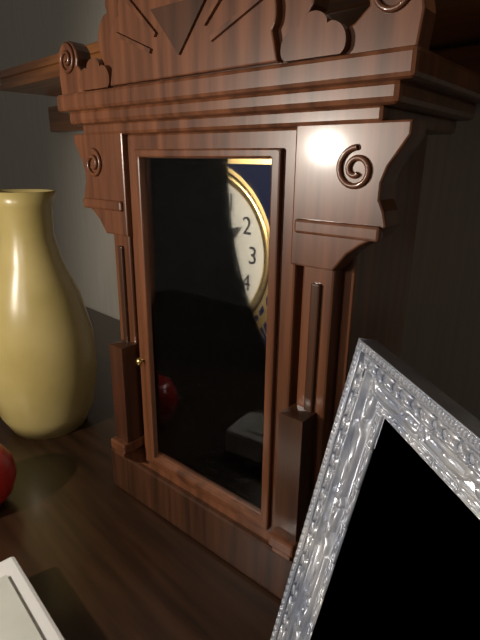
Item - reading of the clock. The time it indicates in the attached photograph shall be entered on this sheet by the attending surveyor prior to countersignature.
1:52
